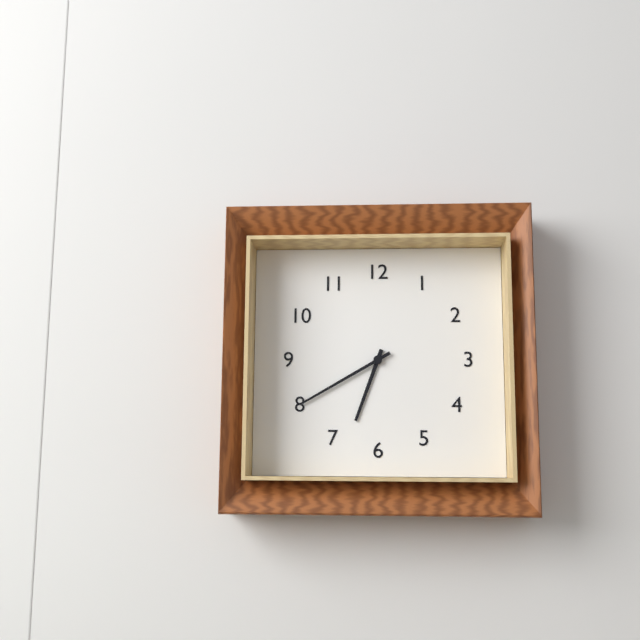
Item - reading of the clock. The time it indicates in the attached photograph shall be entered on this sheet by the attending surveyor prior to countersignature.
6:40
